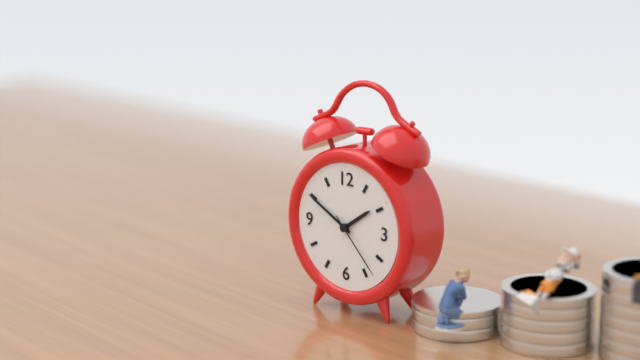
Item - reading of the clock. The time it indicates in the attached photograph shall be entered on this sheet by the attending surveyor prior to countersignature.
1:50:23
